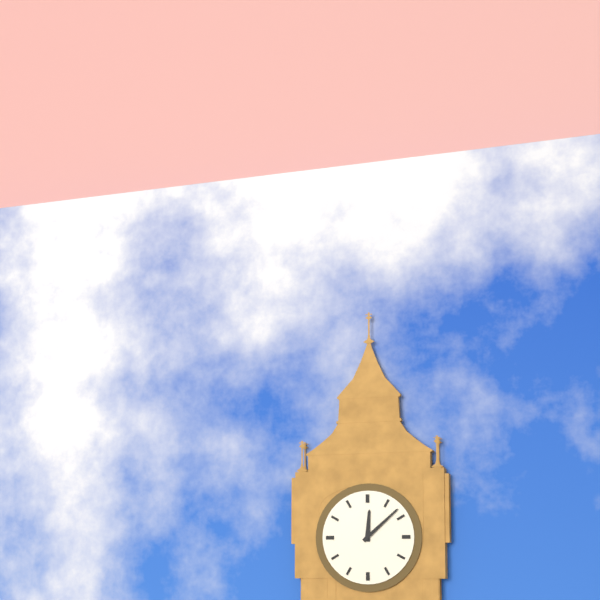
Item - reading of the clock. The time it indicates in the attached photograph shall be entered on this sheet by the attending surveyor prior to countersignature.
12:08
